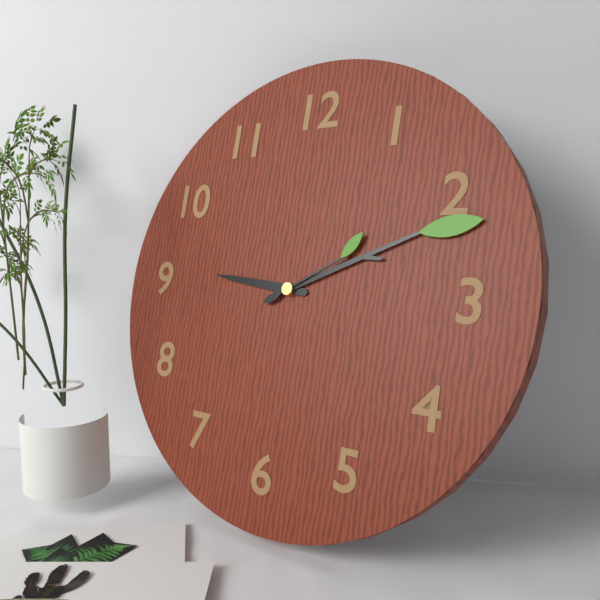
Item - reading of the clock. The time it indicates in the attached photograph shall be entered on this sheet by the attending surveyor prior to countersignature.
9:11:10
